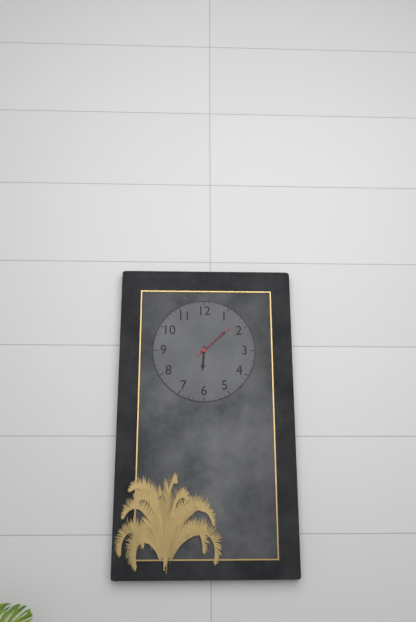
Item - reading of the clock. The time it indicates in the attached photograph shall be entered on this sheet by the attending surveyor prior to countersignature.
6:08
